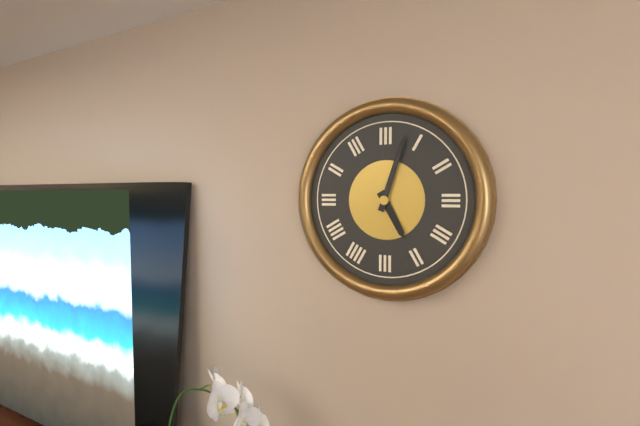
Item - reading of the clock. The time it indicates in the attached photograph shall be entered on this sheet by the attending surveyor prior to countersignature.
5:03
